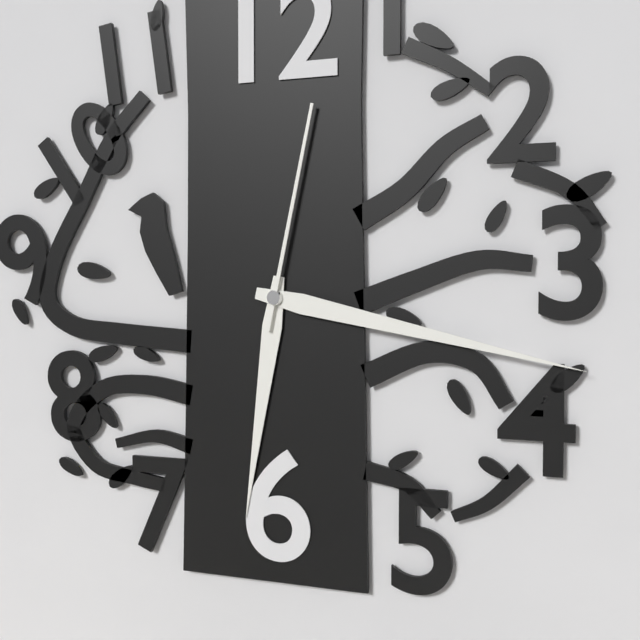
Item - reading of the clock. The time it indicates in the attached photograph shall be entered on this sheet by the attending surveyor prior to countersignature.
6:17:02
